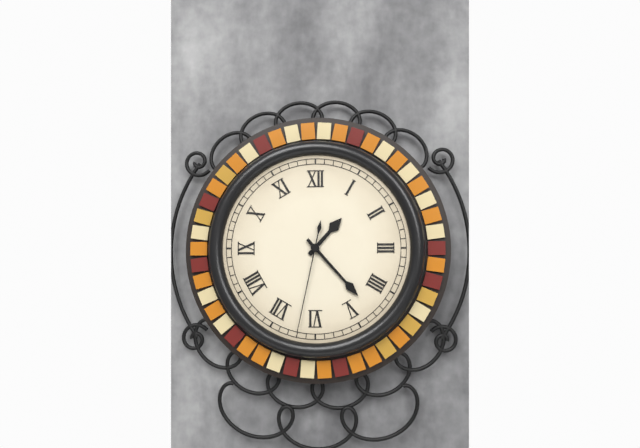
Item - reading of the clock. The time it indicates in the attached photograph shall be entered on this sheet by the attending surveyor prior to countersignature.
1:23:32
